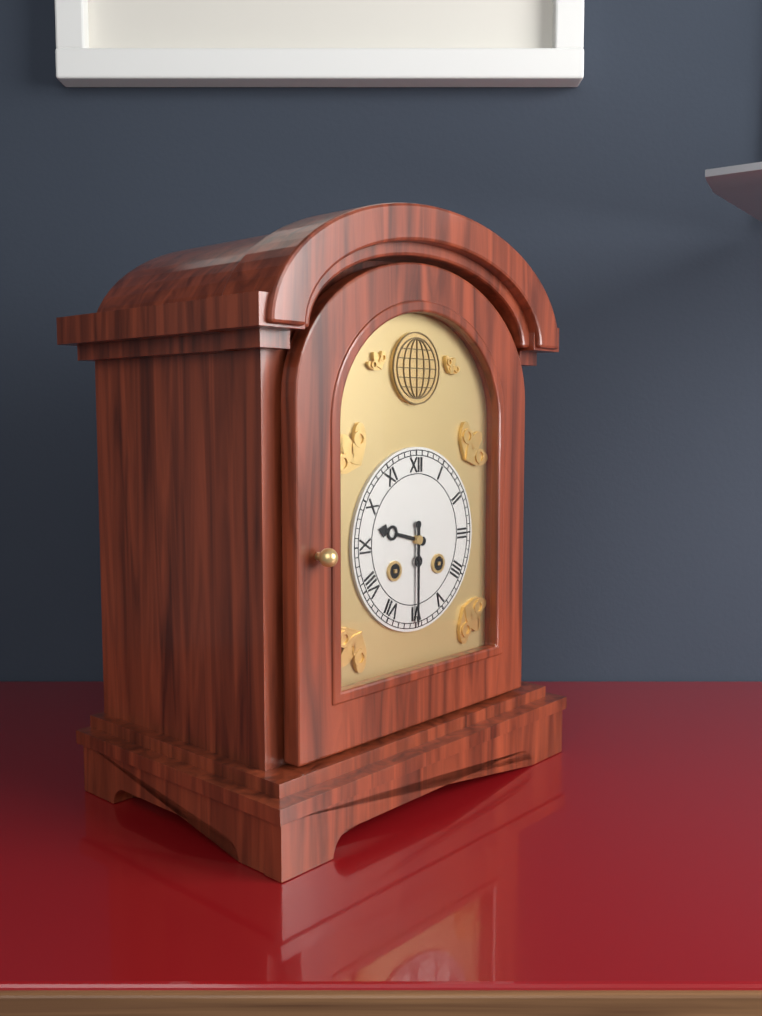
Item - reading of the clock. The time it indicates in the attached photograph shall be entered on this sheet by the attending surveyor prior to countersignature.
9:30
